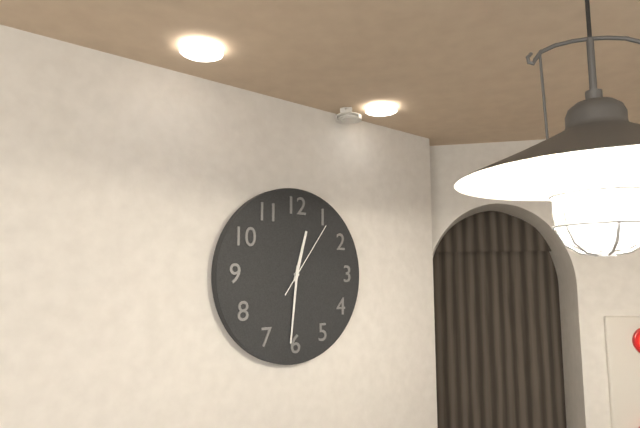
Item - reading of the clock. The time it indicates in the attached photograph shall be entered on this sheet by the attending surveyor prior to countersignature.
12:31:06
